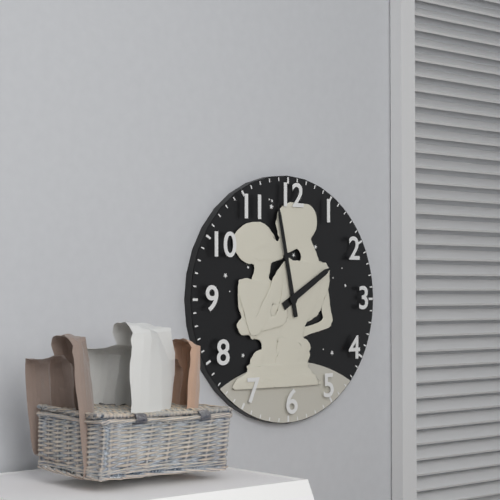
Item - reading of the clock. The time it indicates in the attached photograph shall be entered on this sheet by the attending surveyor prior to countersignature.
1:58
